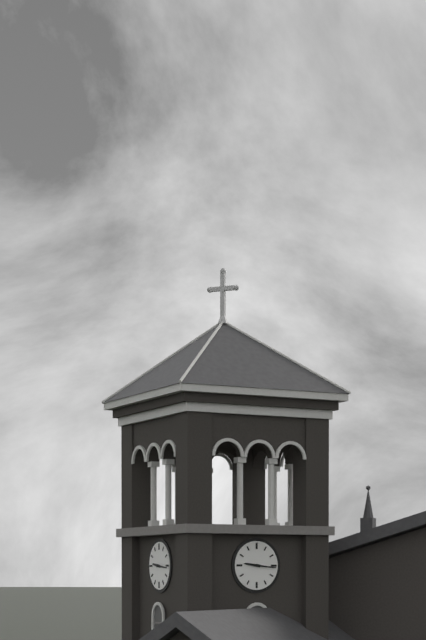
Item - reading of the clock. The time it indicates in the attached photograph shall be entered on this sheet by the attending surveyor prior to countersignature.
9:16
